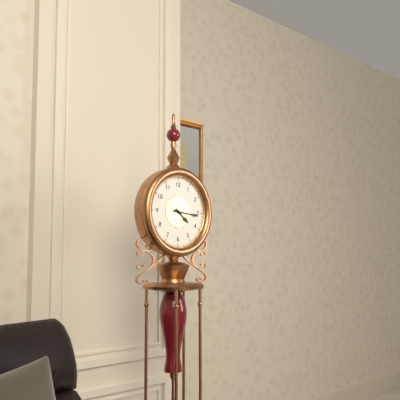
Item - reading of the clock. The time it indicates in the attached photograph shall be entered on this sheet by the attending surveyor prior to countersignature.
4:16
